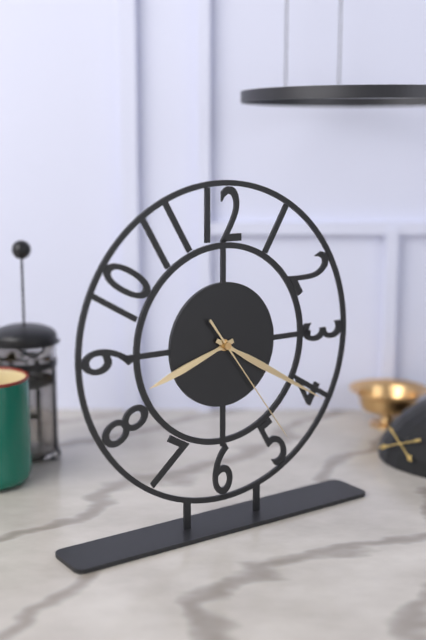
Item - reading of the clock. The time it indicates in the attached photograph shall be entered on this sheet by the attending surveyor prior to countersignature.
8:20:24
